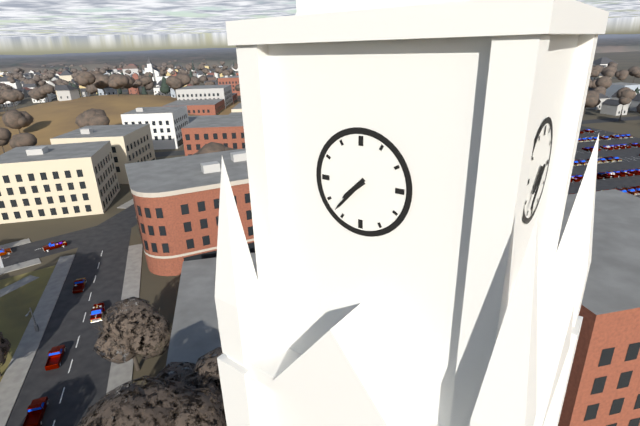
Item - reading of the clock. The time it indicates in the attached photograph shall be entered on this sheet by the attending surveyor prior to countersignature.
7:37
